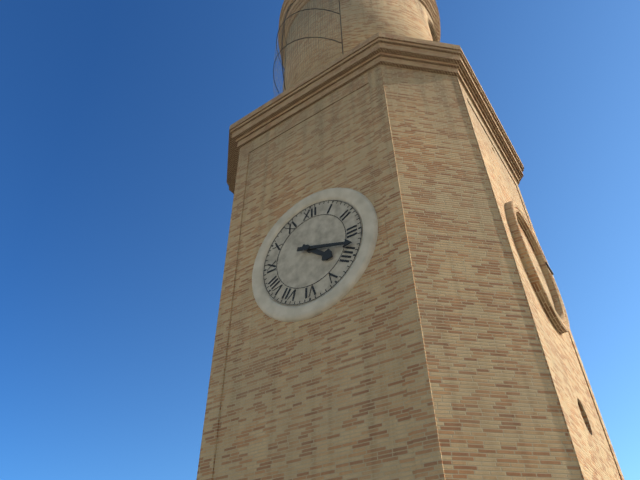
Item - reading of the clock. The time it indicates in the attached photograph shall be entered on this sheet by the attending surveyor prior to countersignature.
4:18
